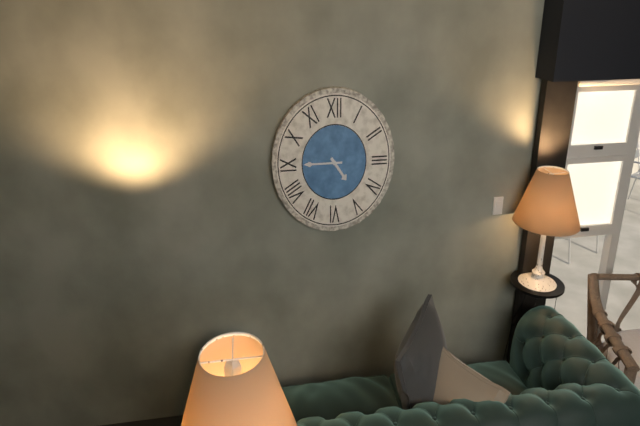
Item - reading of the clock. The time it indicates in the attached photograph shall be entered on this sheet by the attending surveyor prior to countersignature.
4:45
